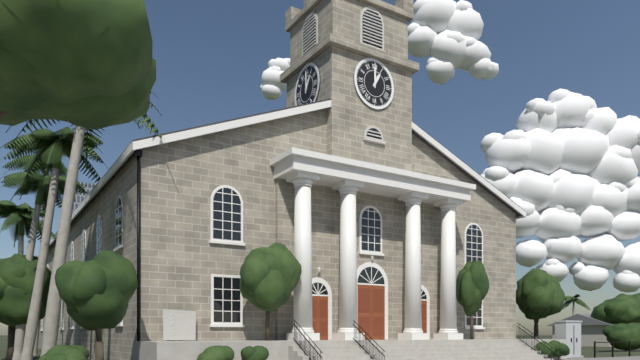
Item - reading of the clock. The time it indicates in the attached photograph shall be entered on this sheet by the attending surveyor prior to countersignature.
1:00
